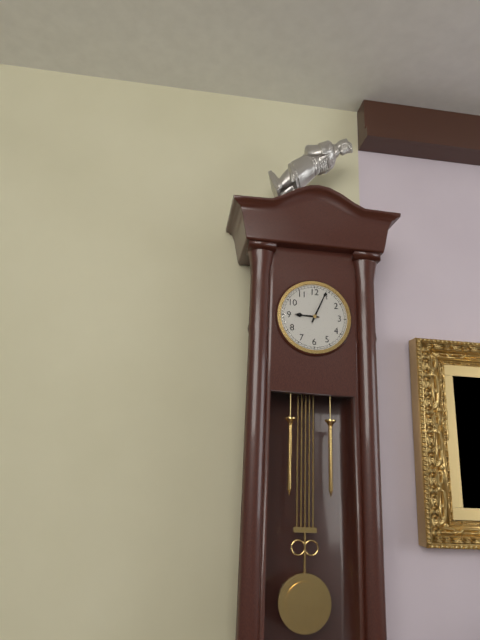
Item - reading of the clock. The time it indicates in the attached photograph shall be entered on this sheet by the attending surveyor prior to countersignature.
9:04
